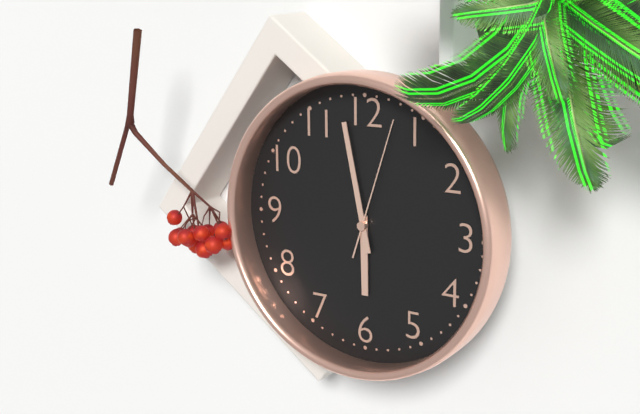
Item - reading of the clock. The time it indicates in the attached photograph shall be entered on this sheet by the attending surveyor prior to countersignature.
5:58:03
